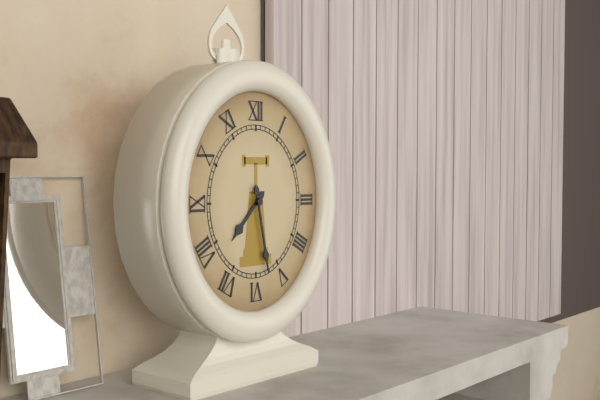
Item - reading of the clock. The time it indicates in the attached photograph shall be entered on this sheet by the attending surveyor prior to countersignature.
7:28
